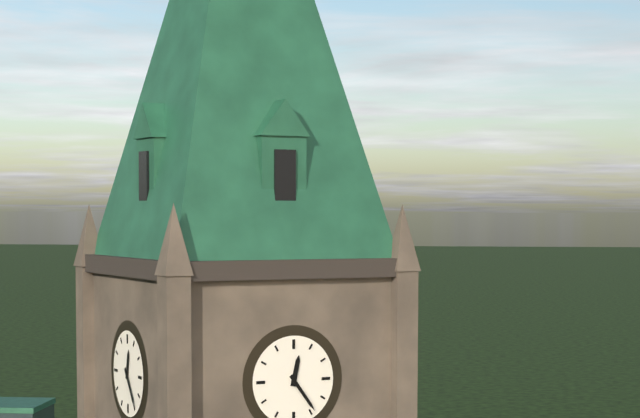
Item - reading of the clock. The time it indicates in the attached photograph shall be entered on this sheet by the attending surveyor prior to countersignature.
12:24
